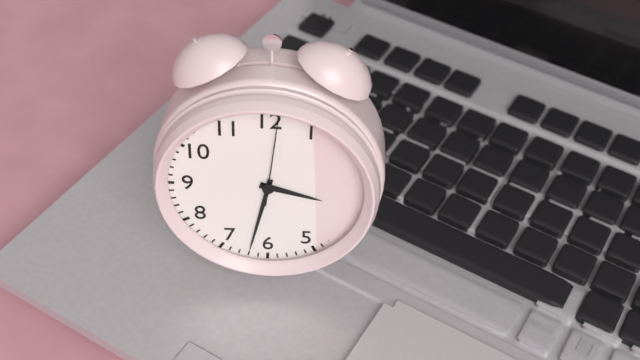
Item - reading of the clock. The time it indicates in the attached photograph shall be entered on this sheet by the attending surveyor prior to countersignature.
3:32:01
